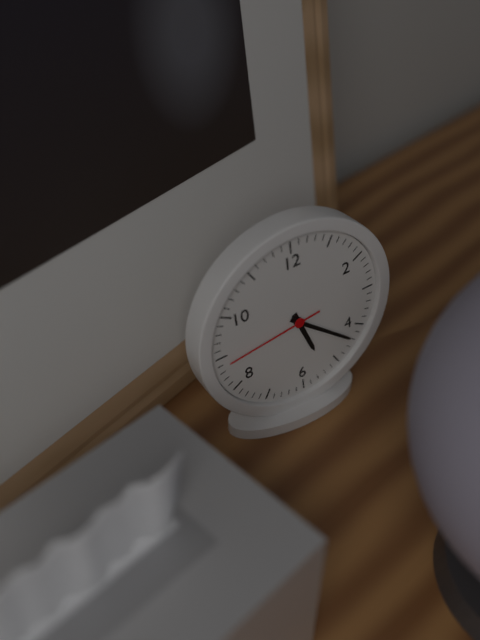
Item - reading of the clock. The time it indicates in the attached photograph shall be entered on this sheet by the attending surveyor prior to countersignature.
5:22:44
